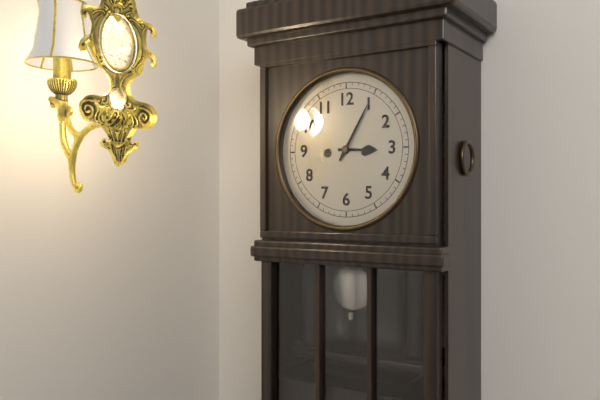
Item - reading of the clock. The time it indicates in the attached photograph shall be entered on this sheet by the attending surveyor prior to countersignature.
3:05
